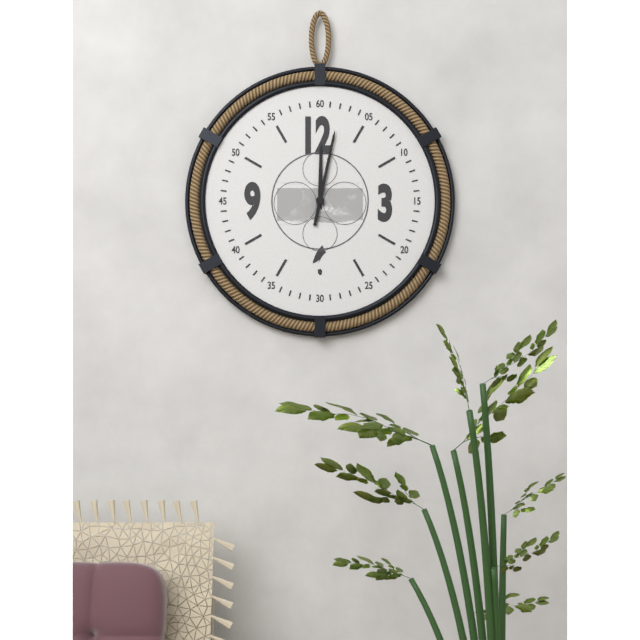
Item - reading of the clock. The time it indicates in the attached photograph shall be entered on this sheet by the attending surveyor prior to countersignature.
12:02
